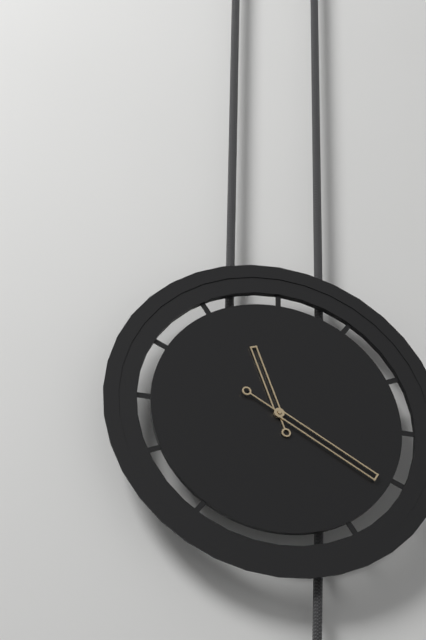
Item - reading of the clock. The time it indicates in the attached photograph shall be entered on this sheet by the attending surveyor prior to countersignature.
11:20
